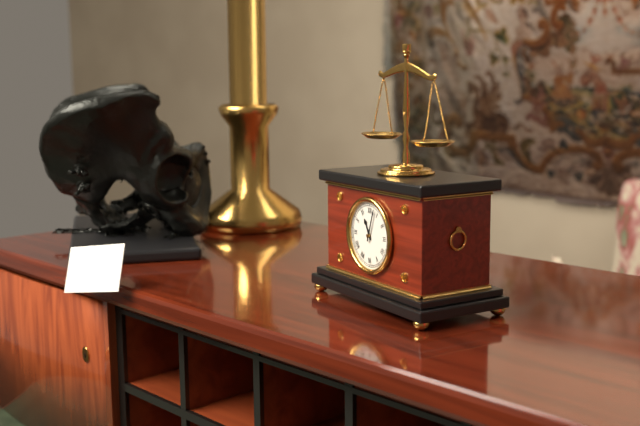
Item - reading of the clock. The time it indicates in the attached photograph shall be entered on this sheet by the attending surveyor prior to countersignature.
11:03
